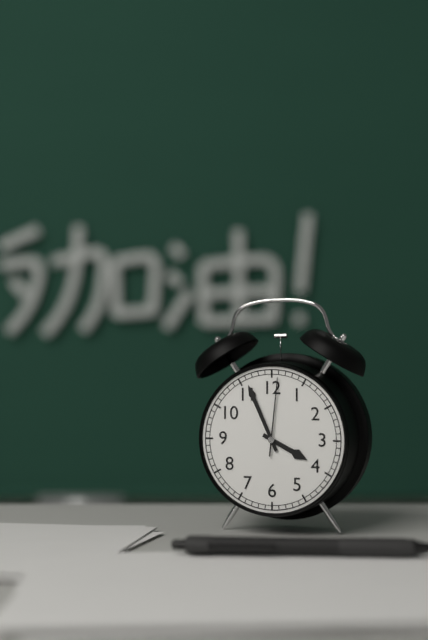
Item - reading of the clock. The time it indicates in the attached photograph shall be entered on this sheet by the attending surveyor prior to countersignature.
3:56:01
